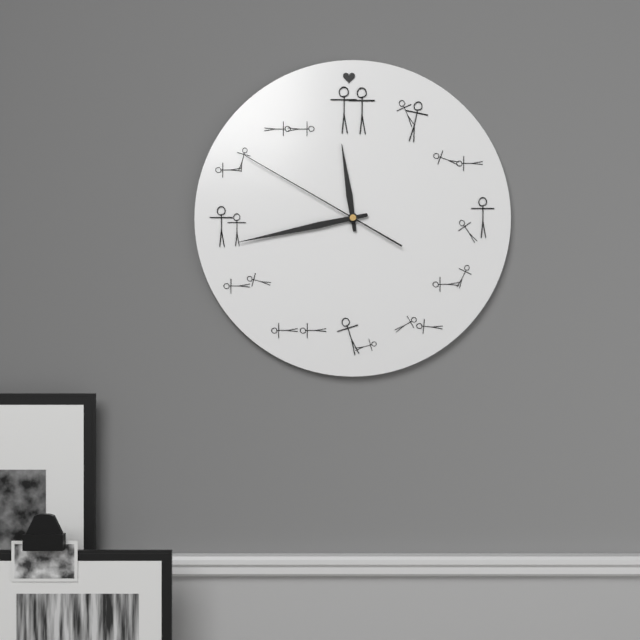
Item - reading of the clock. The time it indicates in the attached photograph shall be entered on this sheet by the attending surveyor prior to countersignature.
11:43:50
